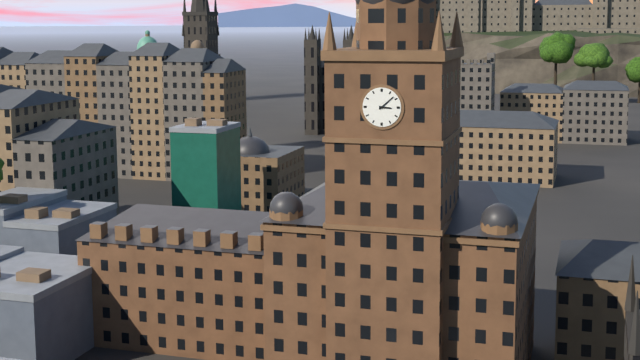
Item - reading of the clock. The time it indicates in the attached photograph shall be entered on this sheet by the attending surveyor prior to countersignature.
3:08
